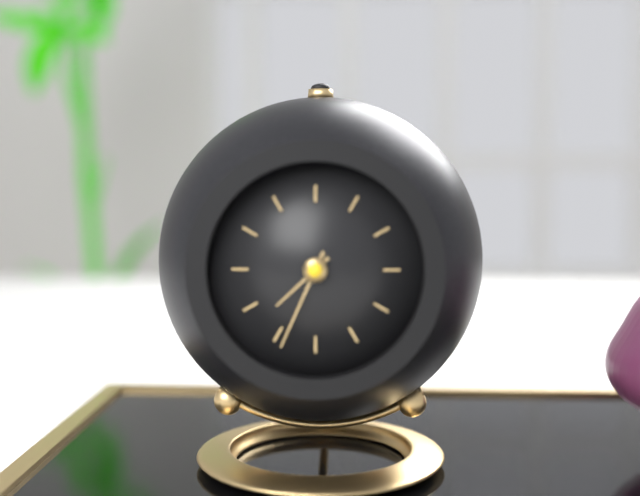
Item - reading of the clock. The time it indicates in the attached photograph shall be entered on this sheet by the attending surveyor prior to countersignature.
7:34
